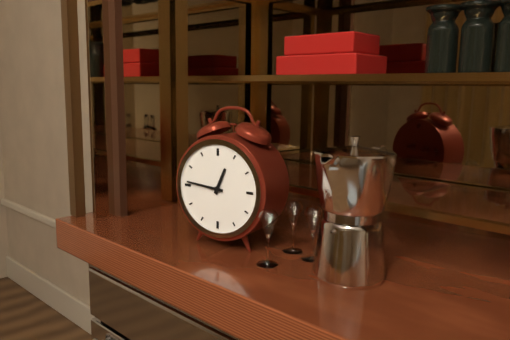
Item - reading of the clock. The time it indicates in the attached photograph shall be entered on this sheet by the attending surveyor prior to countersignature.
12:46
